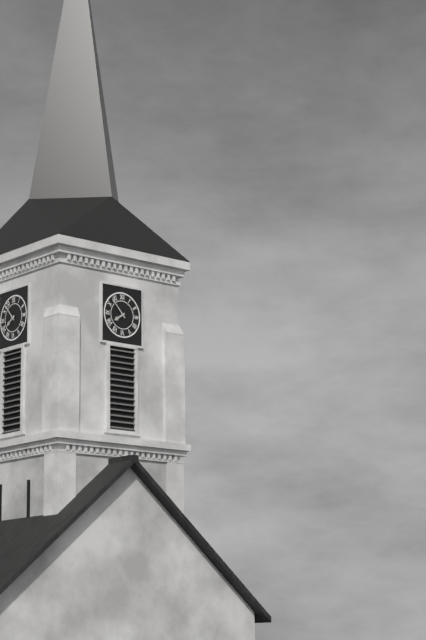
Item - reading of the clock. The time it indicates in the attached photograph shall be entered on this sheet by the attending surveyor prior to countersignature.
7:53
